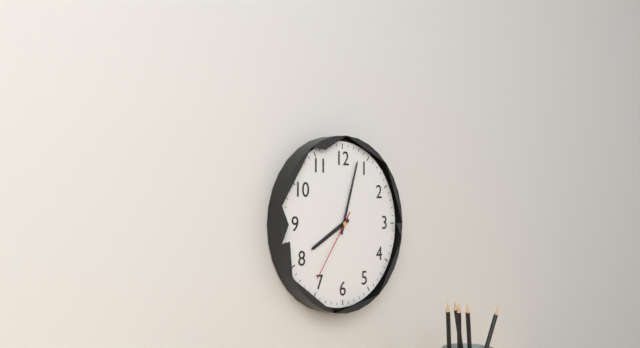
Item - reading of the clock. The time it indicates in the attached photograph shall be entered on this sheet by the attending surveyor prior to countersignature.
8:03:36
